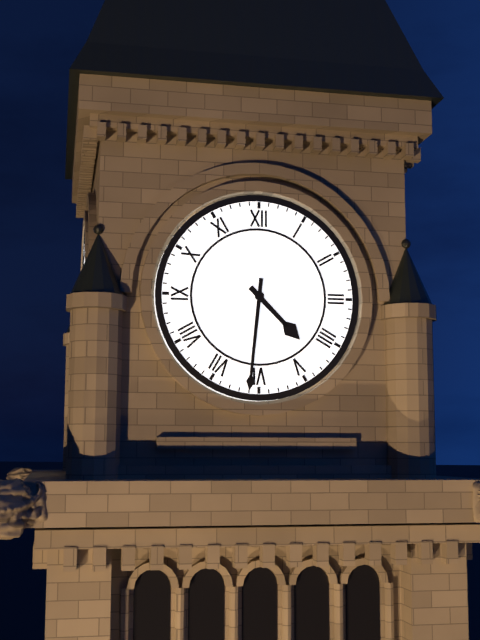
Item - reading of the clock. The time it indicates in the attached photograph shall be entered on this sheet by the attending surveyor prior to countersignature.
4:31
